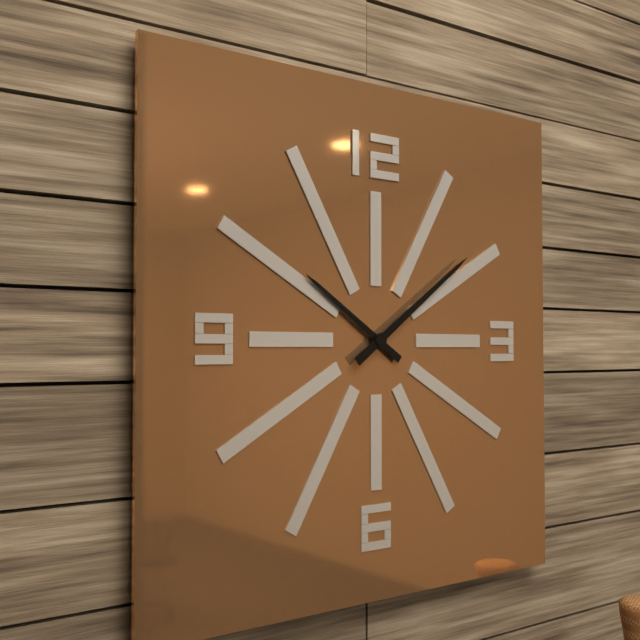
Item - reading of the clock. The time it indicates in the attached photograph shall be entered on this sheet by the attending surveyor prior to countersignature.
10:09
